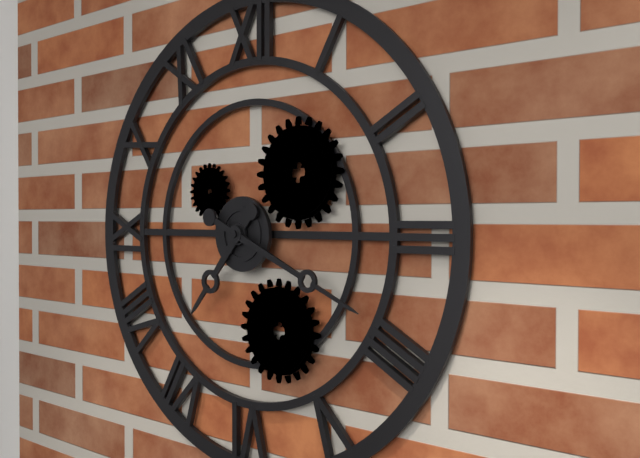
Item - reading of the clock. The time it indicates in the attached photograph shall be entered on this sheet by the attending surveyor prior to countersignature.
7:19
